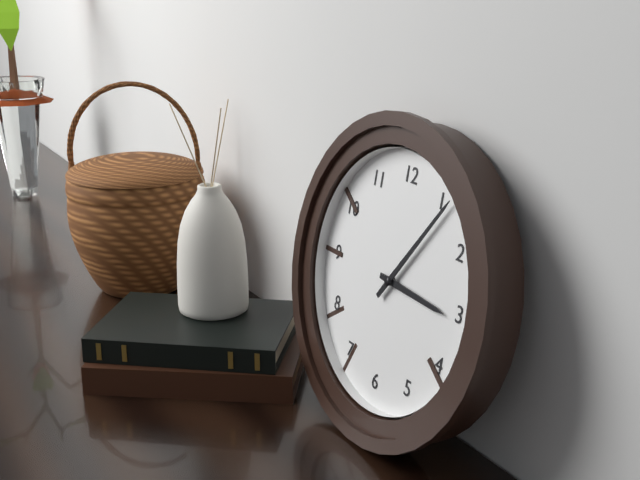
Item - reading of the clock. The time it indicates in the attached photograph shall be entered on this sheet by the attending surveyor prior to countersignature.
3:06
